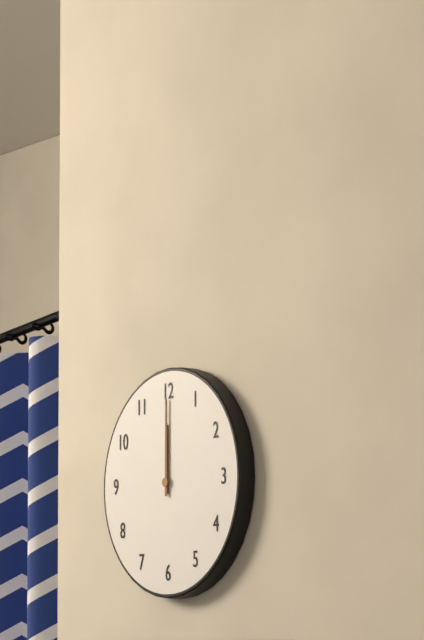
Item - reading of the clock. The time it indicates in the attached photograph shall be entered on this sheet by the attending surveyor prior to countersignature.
12:00
